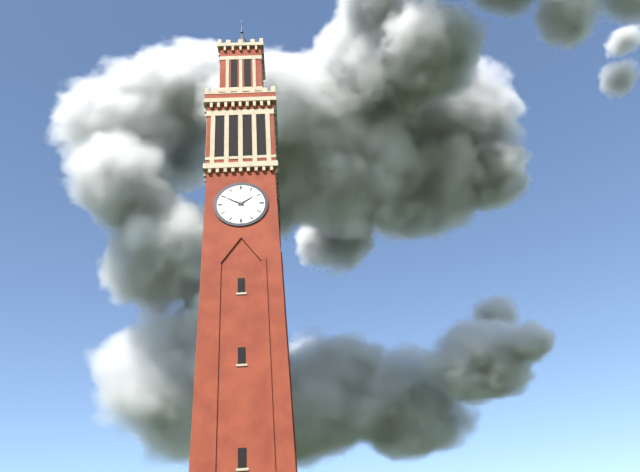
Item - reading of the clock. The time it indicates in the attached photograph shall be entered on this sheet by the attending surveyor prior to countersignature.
1:50
